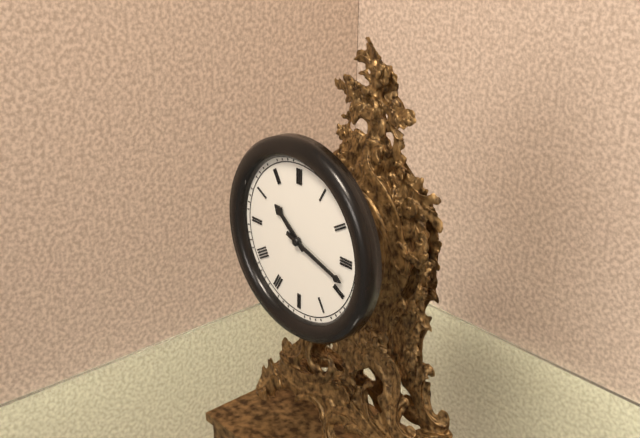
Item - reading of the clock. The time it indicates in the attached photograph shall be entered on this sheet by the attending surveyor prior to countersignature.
10:18
